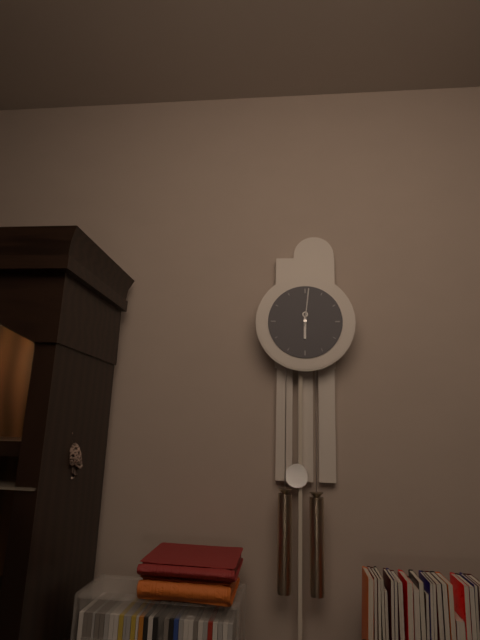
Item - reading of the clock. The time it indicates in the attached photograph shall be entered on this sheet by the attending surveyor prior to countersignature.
6:01
